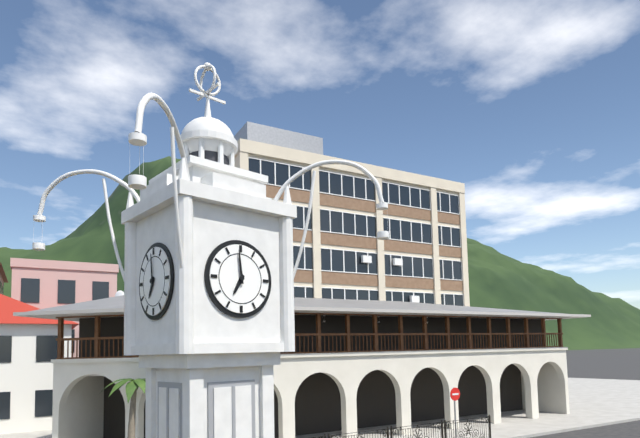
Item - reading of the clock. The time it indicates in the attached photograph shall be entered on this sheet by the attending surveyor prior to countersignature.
6:59
